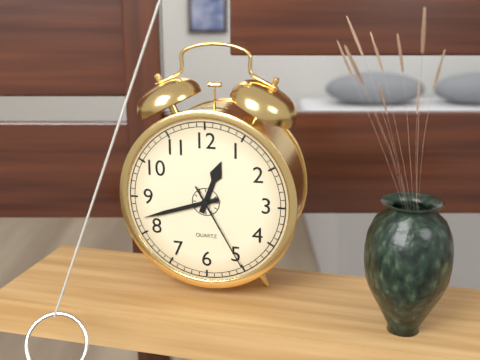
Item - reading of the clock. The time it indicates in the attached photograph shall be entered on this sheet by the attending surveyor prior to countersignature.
12:42:25
